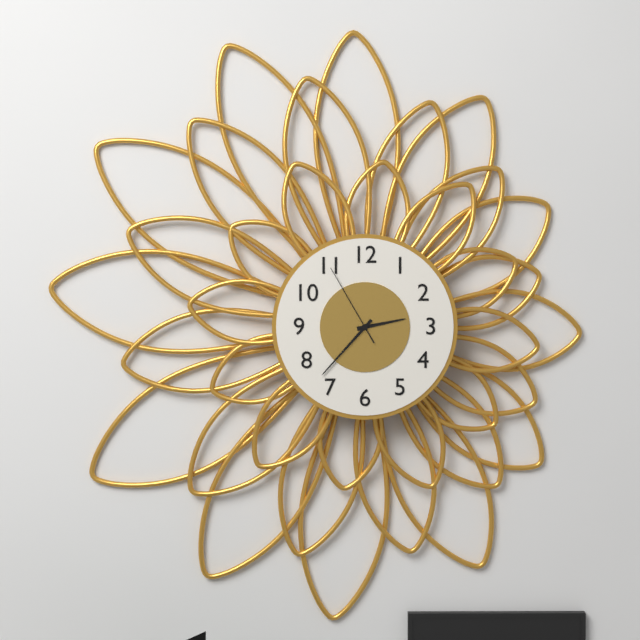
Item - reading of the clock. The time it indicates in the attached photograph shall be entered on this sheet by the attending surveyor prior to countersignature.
2:37:55
